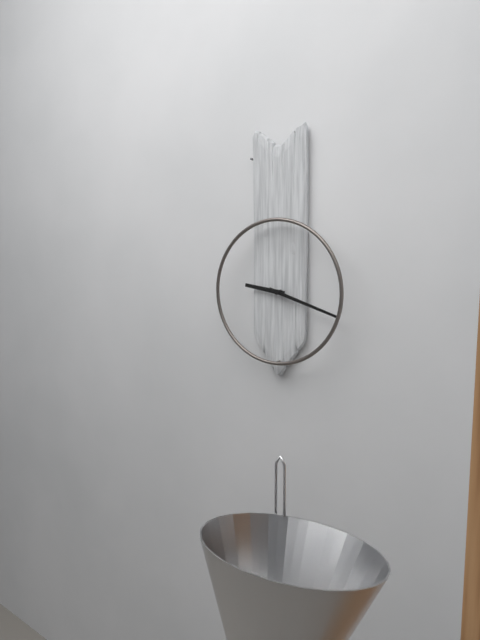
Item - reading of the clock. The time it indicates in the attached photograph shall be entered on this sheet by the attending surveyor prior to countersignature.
9:18
